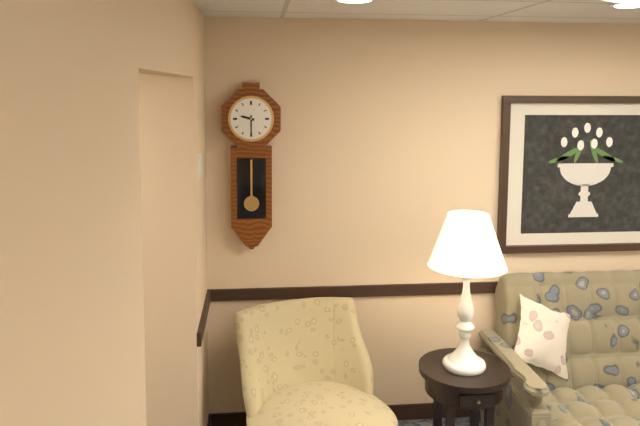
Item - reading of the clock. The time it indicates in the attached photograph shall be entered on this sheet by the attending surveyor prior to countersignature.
9:30
